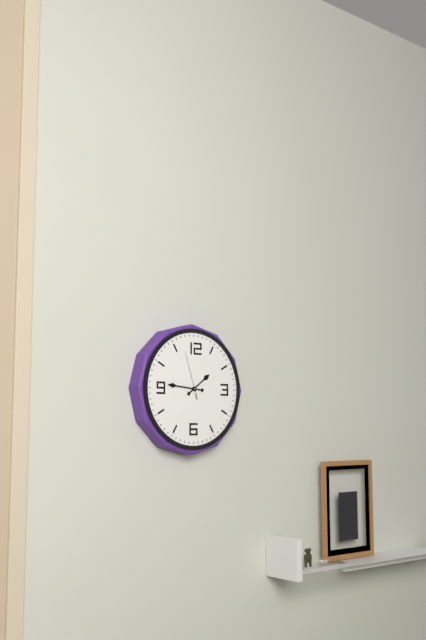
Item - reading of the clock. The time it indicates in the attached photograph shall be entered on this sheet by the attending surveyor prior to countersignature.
1:46
